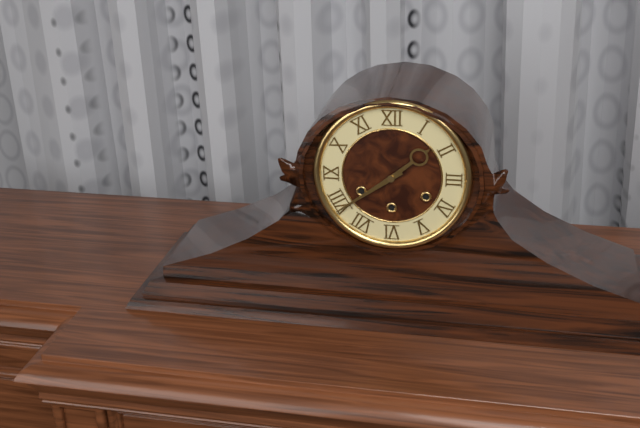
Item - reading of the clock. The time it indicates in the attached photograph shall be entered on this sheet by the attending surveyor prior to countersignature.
1:39
